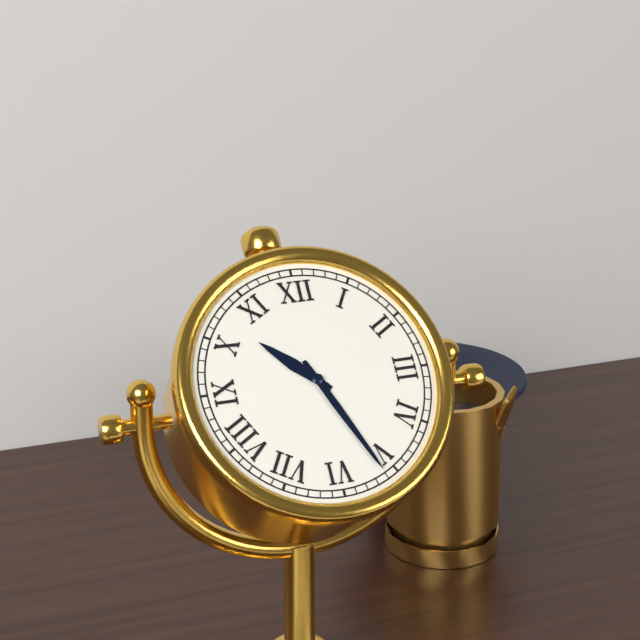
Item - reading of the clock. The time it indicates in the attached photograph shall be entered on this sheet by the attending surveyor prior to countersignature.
10:26
